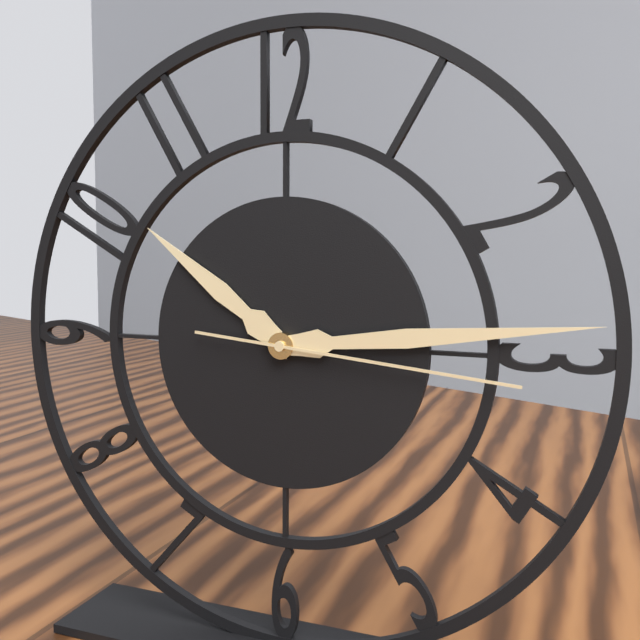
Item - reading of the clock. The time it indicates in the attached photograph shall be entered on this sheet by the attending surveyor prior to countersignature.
10:14:16
